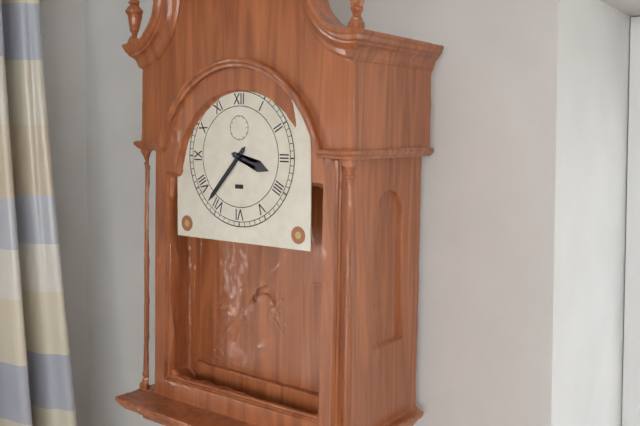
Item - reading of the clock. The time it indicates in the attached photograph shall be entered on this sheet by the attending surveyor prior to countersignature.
3:37
